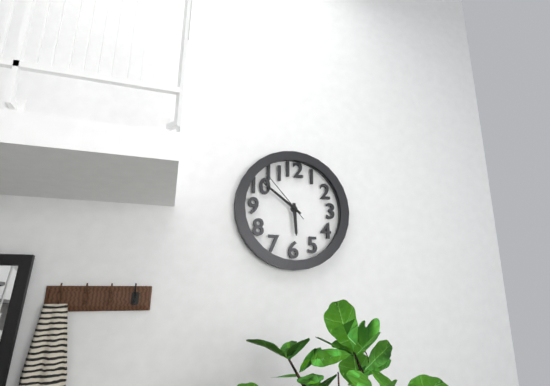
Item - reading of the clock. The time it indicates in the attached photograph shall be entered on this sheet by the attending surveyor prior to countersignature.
5:51:53
